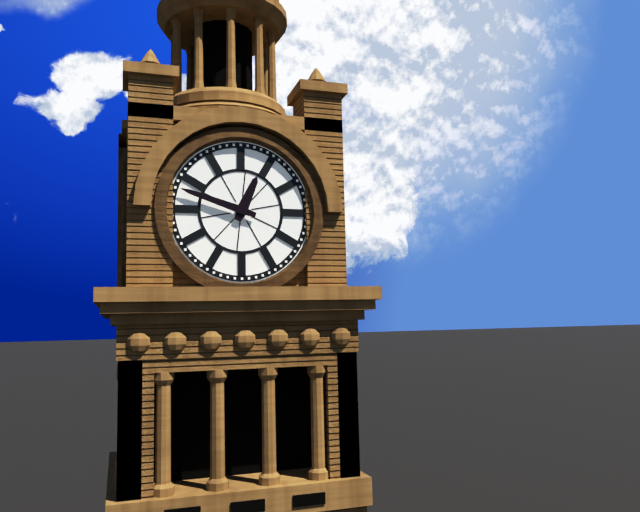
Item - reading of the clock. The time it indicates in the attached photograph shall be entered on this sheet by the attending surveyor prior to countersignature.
12:48
